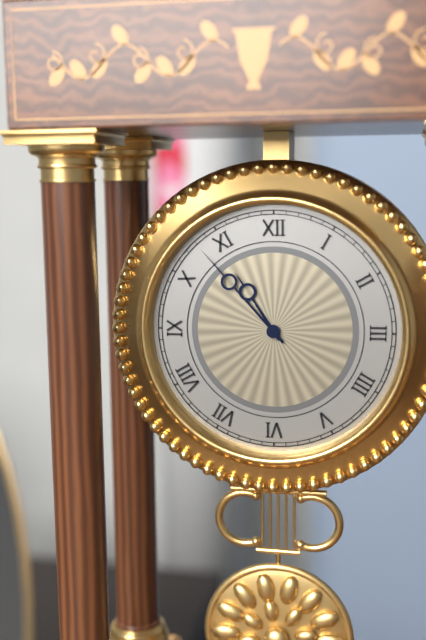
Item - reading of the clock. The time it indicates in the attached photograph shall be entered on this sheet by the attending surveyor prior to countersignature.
10:53
